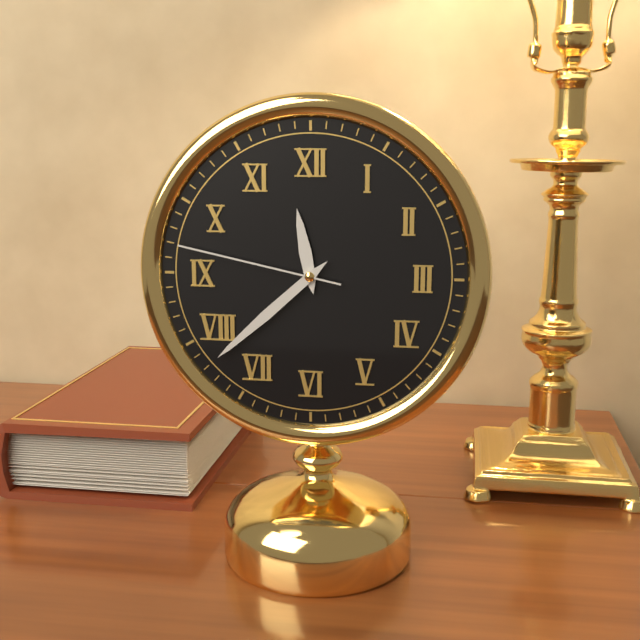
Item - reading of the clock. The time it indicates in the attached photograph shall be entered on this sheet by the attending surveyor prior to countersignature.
11:38:47
